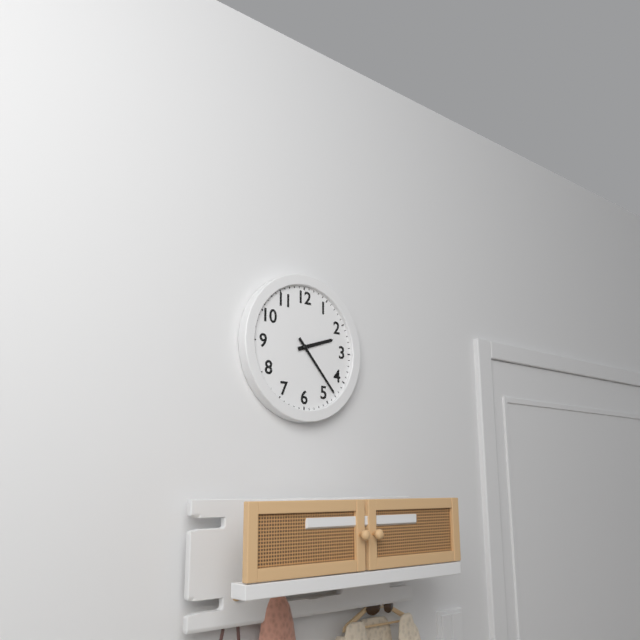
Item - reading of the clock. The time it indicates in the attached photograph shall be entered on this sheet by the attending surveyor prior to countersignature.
2:23
